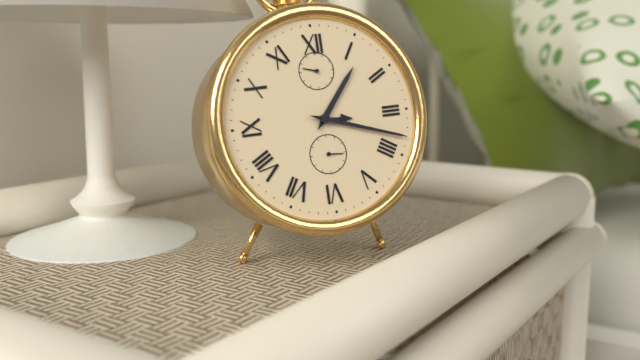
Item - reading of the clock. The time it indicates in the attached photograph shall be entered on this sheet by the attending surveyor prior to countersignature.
1:18
